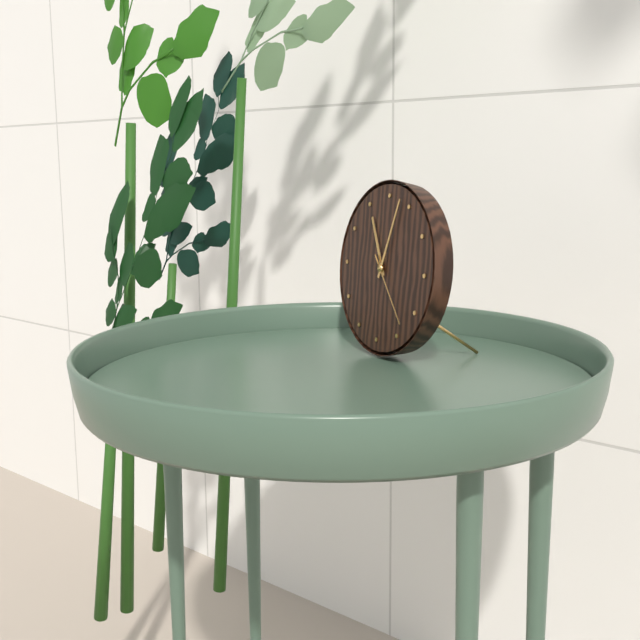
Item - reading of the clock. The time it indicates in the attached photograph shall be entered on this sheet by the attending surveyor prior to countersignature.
11:03:23
